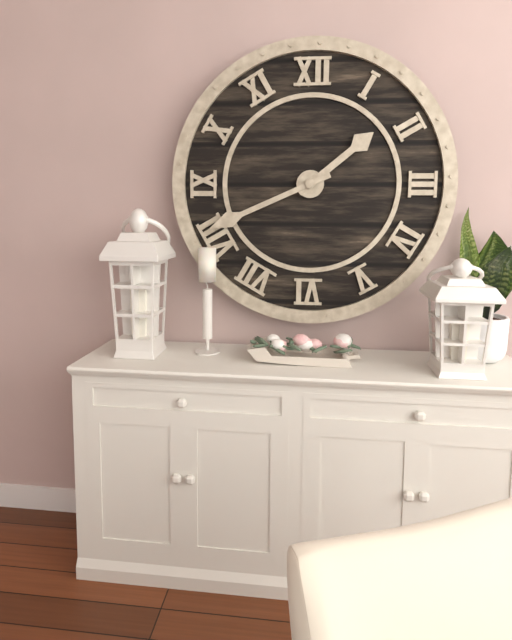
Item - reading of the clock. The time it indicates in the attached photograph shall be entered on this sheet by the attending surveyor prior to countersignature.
1:41
